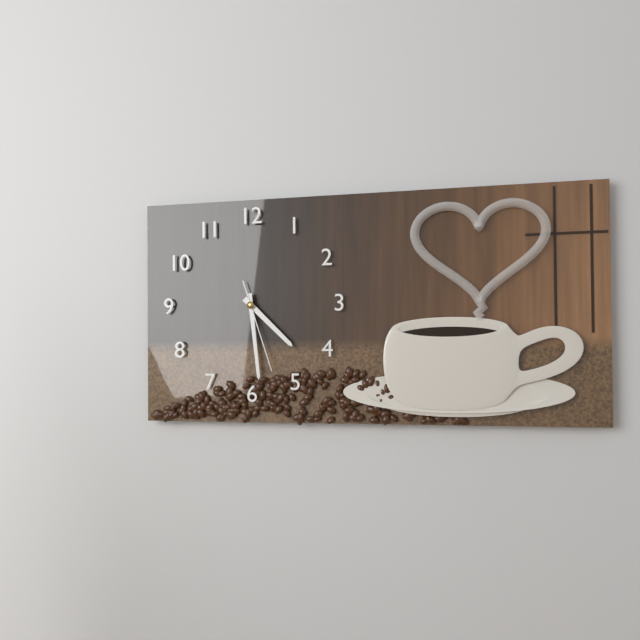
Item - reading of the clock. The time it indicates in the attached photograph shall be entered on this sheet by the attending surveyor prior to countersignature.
4:29:27
